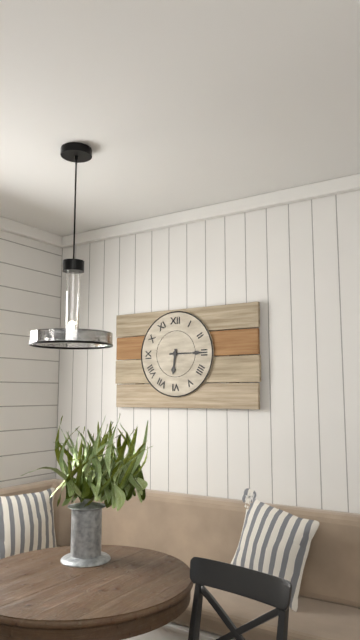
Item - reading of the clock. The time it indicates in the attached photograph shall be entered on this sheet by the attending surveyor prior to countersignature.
6:15
